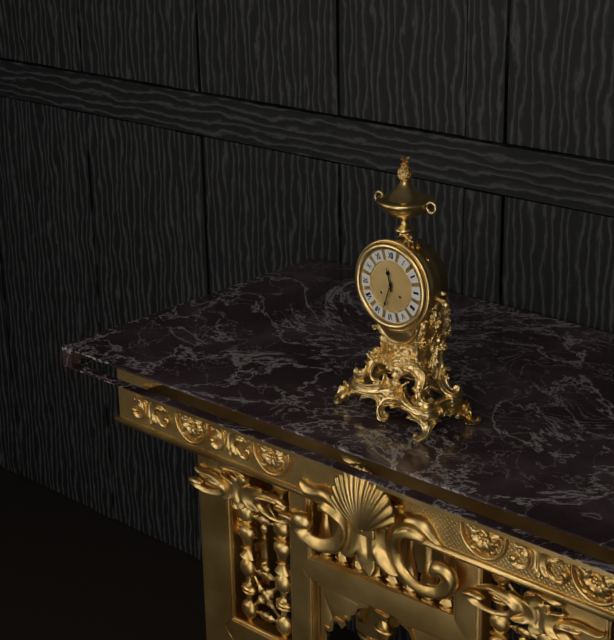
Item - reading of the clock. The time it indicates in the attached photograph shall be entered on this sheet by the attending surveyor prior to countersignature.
11:33
